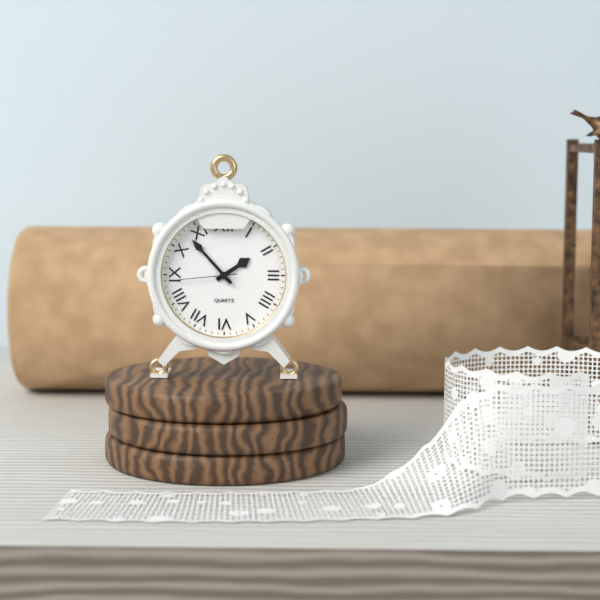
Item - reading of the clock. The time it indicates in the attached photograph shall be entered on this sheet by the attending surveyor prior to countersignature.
1:53:44
